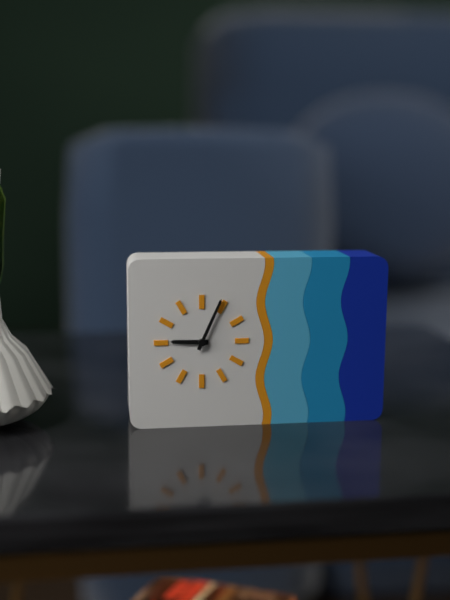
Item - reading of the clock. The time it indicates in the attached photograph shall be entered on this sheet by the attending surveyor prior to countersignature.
9:04
